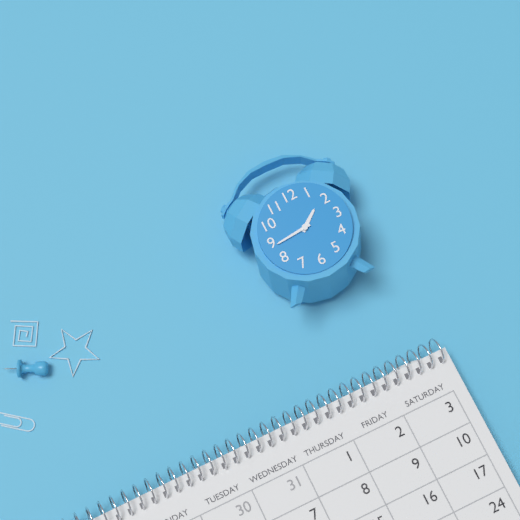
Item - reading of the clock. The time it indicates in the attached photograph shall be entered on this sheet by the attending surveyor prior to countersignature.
1:44
